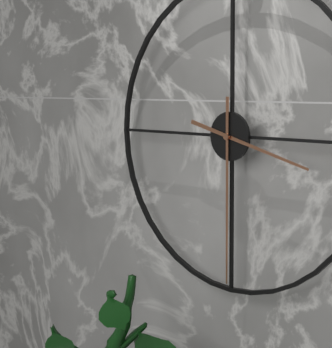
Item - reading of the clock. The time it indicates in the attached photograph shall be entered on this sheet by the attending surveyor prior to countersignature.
3:30
